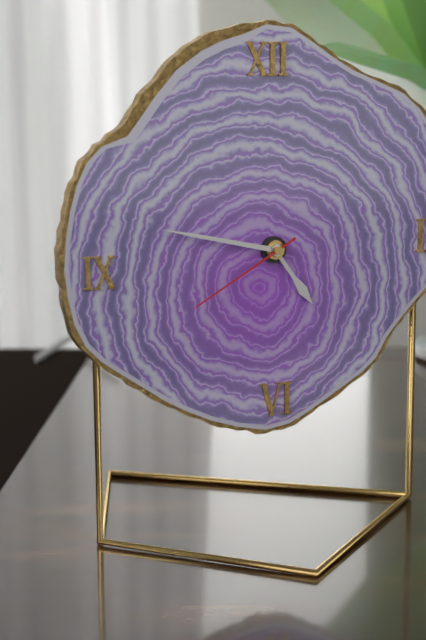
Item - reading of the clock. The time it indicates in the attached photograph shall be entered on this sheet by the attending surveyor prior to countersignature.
4:47:40
